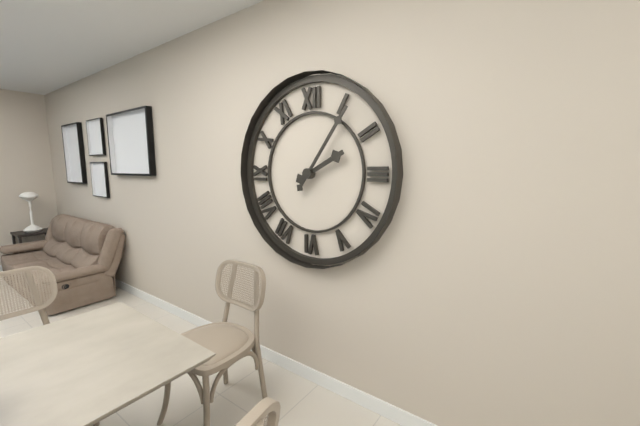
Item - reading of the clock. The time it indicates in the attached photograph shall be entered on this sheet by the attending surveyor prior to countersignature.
2:06
